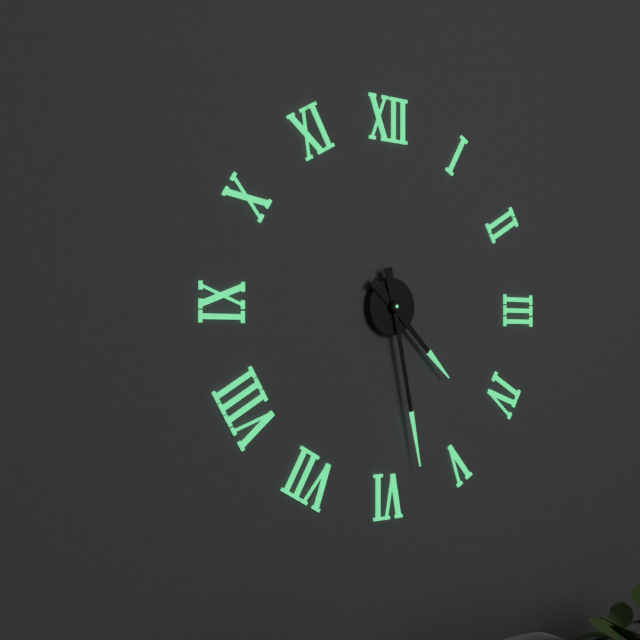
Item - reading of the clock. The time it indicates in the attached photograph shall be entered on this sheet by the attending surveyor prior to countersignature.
4:28
